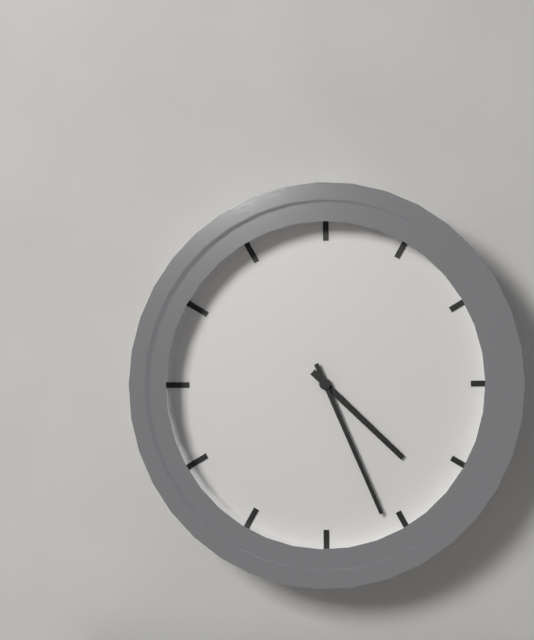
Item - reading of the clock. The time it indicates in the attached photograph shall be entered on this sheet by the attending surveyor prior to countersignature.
4:26
